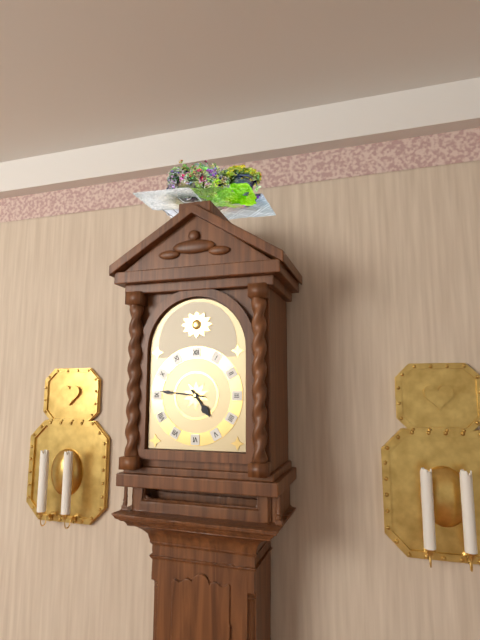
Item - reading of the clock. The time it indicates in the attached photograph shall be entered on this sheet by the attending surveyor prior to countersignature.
4:46
